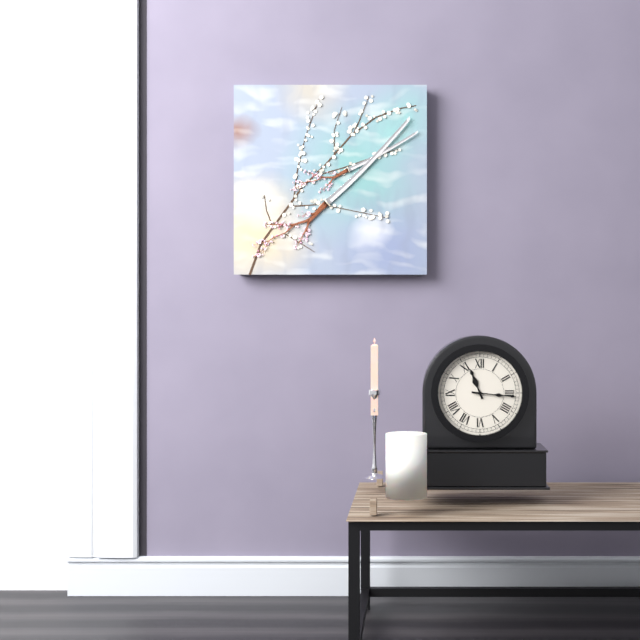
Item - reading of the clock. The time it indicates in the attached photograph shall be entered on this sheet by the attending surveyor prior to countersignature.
11:16
